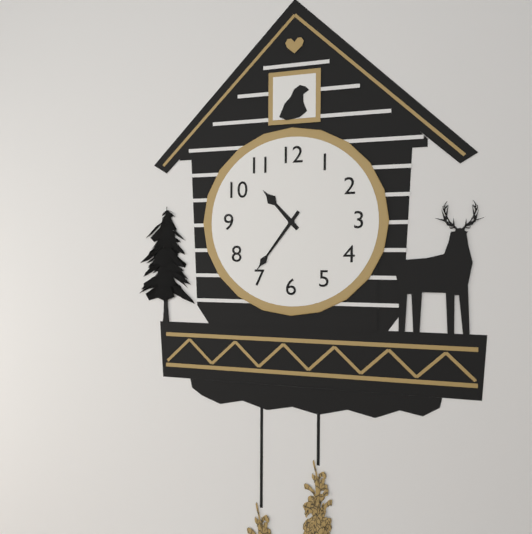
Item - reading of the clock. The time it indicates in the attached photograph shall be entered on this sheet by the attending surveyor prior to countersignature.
10:36
